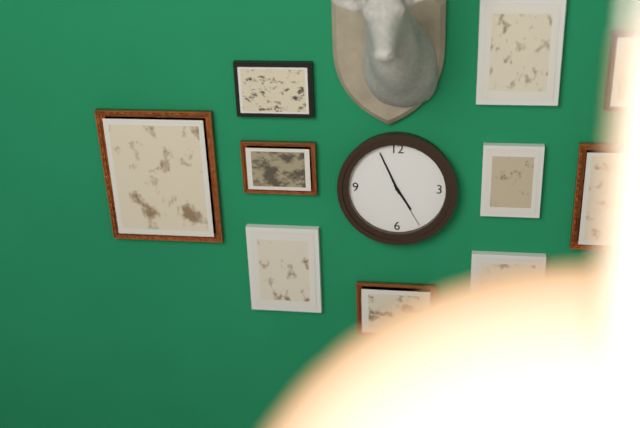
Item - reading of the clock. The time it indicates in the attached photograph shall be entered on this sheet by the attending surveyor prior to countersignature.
4:56:25
